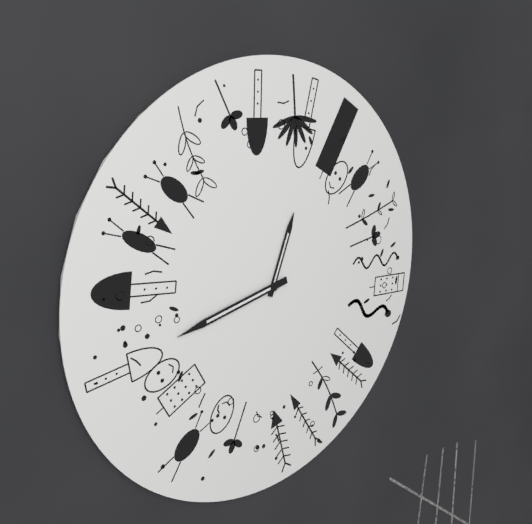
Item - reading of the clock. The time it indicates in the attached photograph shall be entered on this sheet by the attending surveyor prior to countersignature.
12:43
